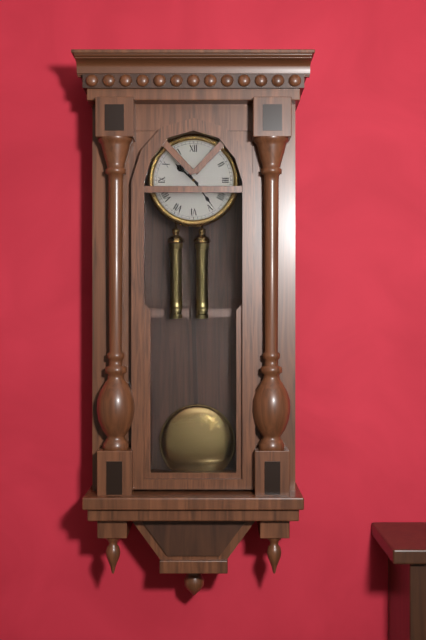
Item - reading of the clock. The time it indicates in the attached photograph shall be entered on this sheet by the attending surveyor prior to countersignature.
10:24
